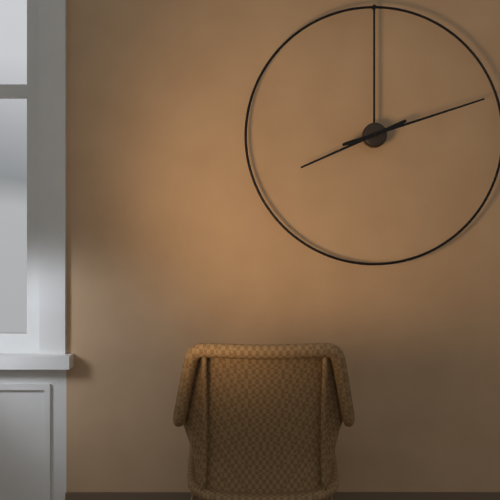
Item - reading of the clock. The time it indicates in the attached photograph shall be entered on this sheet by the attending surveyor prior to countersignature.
8:12
